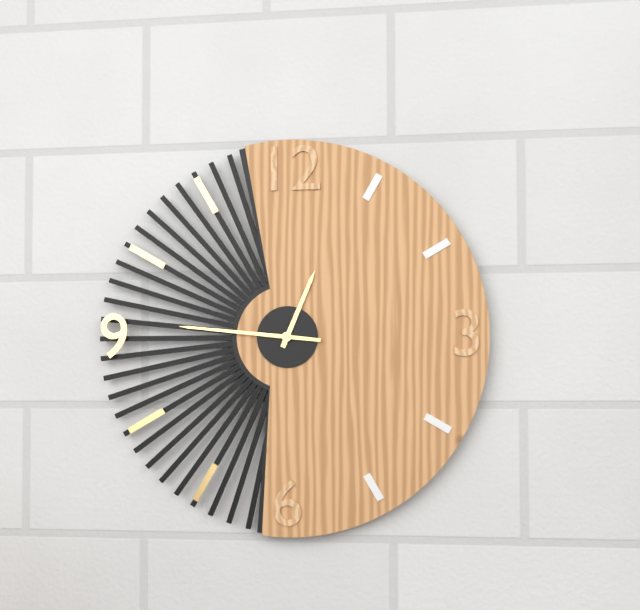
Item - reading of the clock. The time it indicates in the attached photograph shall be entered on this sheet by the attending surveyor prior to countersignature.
12:46
